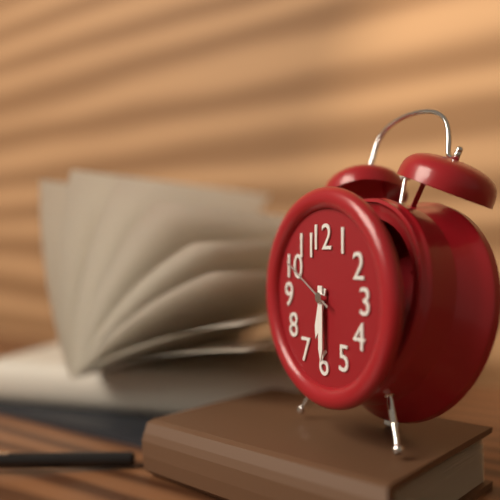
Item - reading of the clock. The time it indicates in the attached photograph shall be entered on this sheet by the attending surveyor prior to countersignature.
6:30:50
